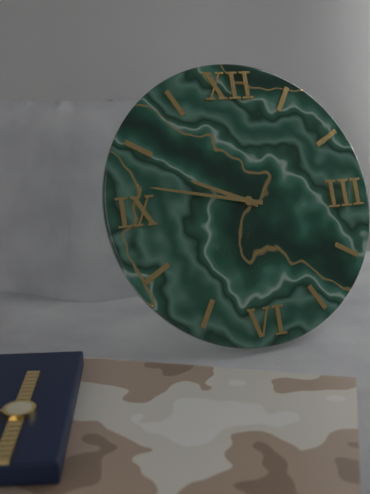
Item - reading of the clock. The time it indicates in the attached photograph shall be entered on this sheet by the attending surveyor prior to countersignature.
9:47
